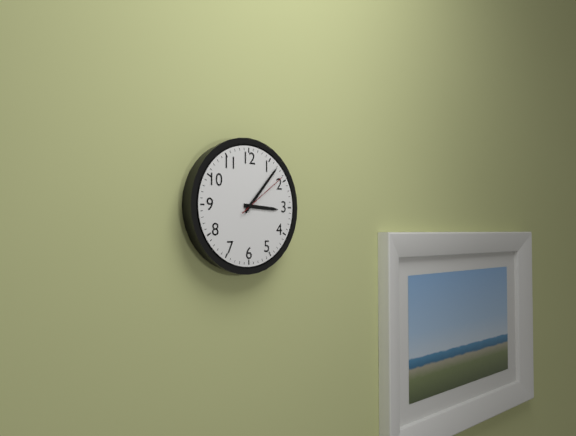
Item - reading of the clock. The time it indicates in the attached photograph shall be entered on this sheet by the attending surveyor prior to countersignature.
3:07:09
